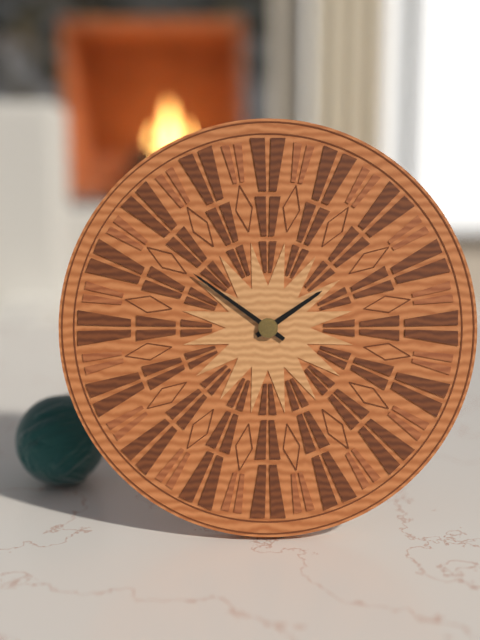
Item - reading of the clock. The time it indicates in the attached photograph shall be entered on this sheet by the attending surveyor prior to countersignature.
1:51
